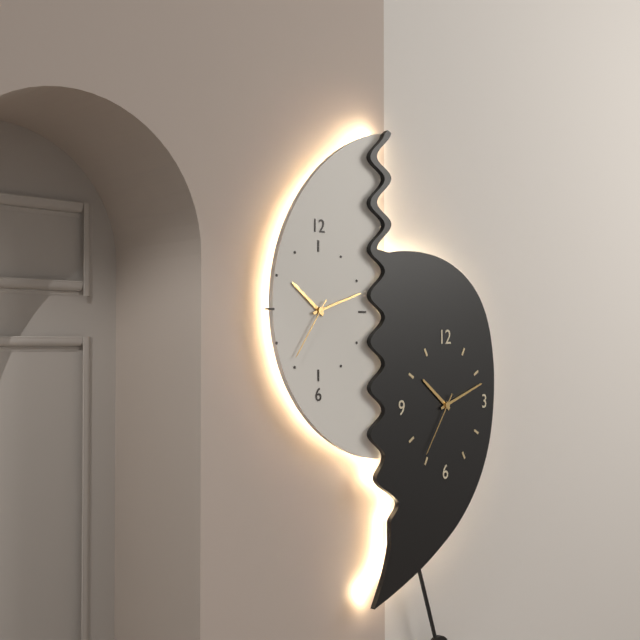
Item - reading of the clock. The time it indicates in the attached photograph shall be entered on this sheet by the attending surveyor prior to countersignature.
10:12:36
